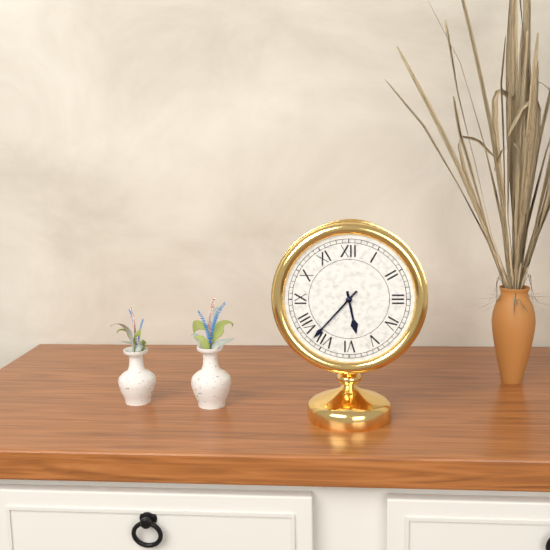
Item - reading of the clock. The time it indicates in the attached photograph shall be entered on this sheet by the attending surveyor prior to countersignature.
5:37
